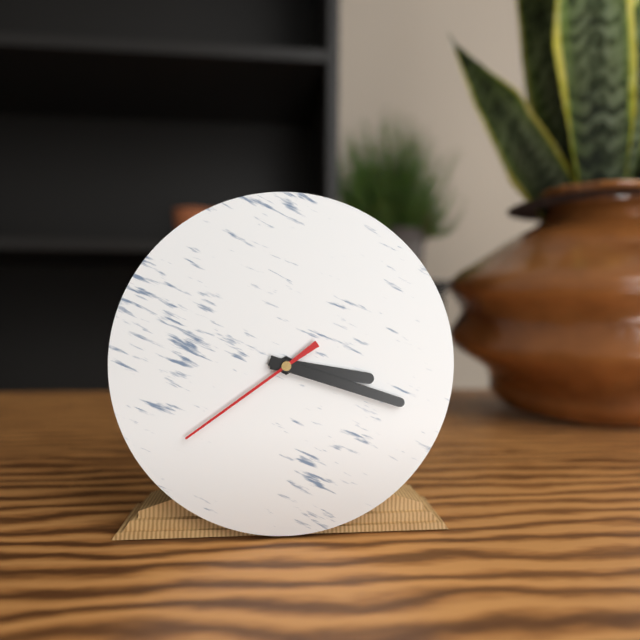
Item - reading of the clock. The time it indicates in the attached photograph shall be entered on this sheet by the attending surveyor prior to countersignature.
3:18:39
